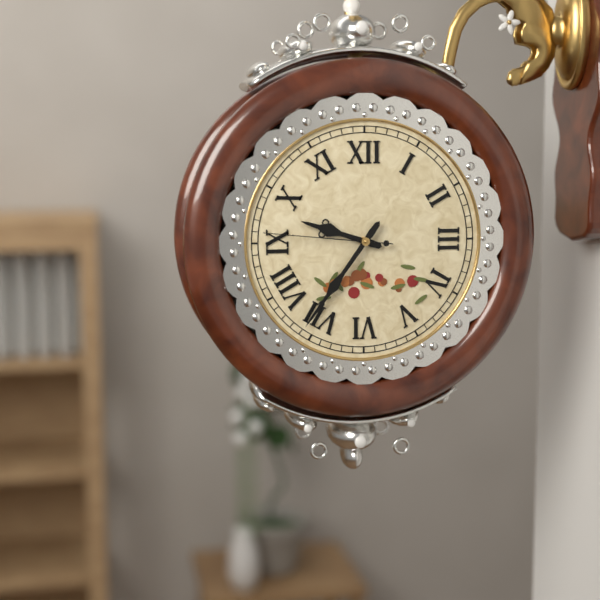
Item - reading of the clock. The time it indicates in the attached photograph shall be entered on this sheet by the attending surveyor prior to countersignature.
9:36:46
